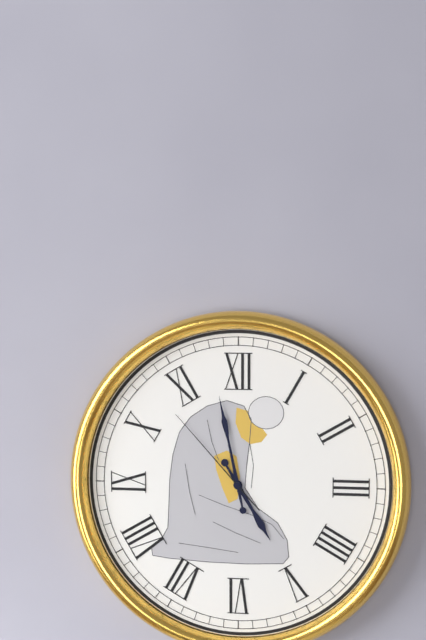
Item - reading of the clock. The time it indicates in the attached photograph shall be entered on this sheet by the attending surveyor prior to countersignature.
4:58:53
